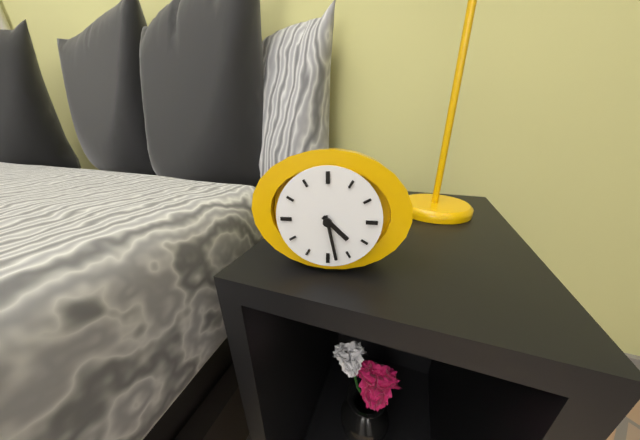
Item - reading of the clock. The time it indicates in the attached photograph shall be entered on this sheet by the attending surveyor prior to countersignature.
4:28
